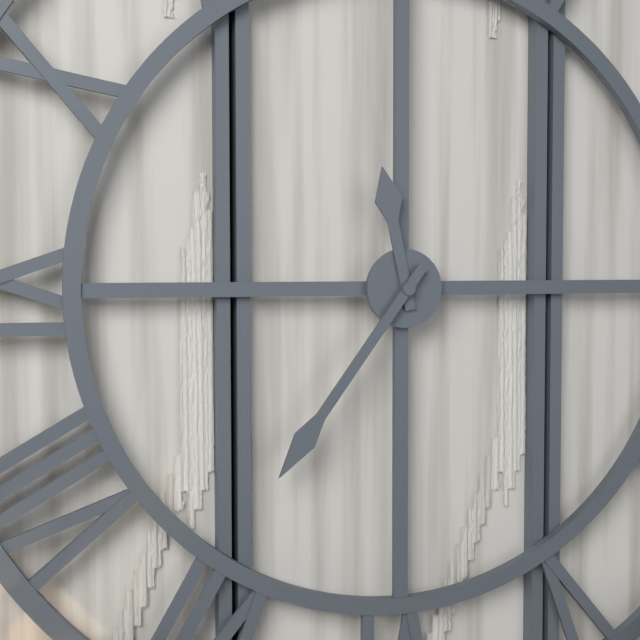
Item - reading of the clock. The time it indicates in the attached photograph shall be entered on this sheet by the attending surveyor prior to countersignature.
11:36
